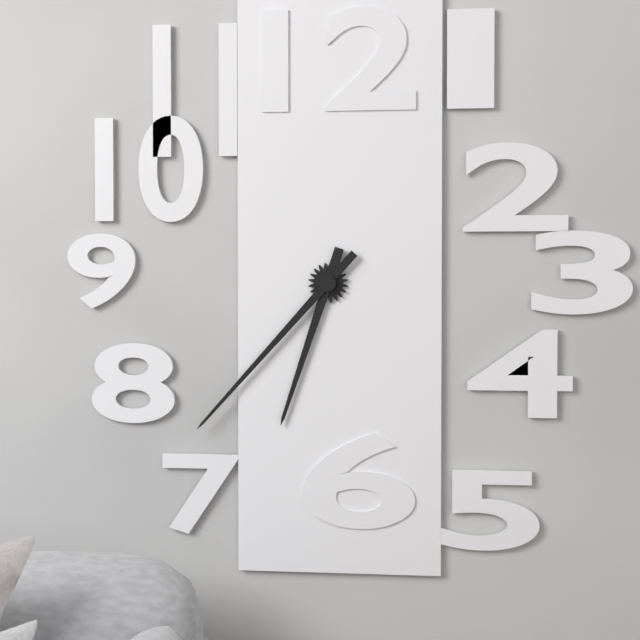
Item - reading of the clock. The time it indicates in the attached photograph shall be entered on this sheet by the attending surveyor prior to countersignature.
6:37
